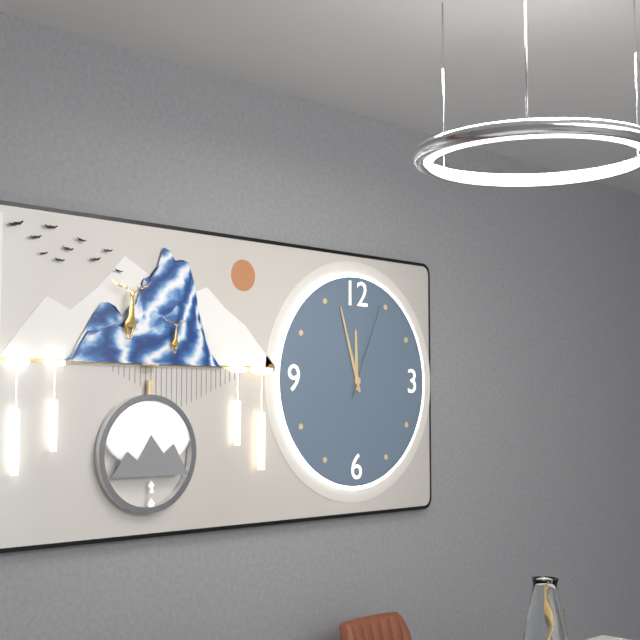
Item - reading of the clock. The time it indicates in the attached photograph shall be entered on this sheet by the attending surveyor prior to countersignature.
11:57:04
